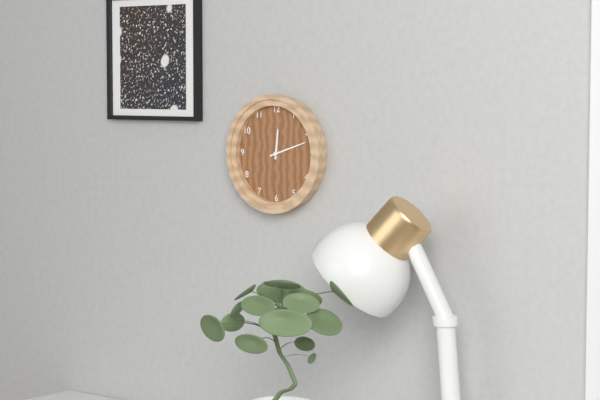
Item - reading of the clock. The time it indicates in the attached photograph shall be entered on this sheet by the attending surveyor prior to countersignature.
12:12
